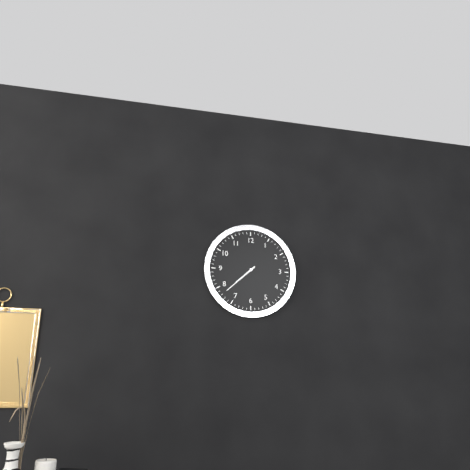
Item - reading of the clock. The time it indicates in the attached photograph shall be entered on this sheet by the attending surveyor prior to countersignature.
7:38
